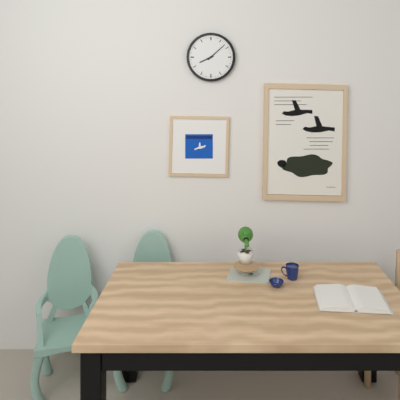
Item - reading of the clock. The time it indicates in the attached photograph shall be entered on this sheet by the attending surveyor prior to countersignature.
8:08
